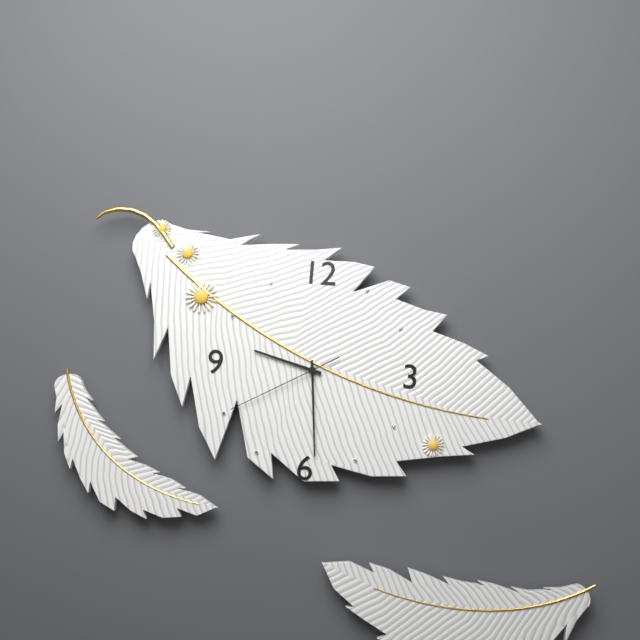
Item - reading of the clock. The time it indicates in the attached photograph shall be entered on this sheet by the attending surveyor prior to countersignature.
9:29:40
